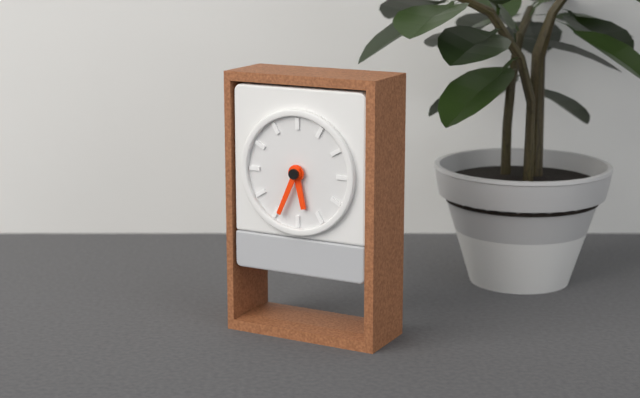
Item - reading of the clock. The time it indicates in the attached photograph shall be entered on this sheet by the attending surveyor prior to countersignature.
5:34
